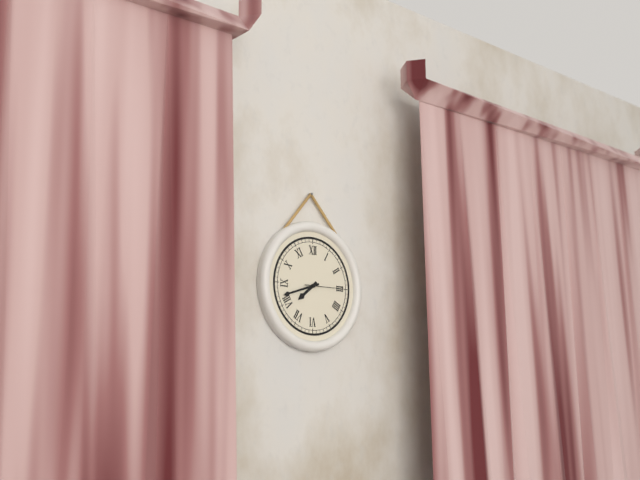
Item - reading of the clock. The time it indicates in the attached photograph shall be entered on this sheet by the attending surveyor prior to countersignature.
7:42
